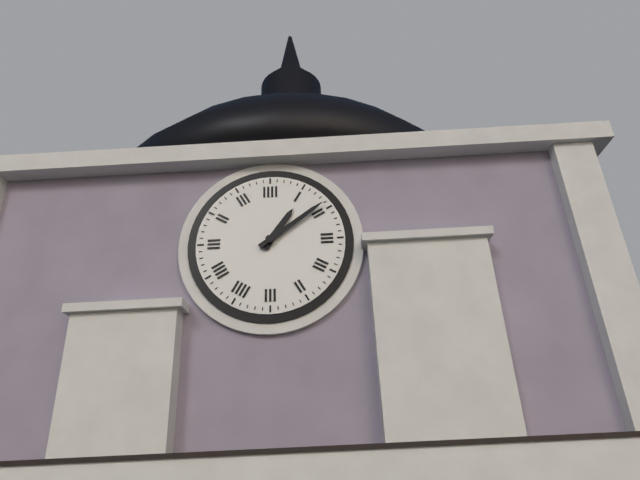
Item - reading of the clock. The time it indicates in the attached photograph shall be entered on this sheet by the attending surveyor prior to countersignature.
1:09
